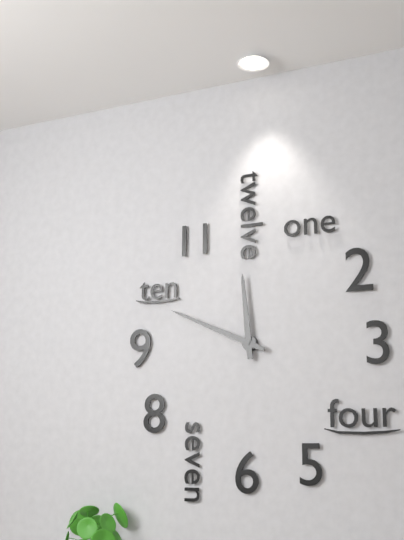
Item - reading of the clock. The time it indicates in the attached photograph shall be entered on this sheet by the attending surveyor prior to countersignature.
11:49
